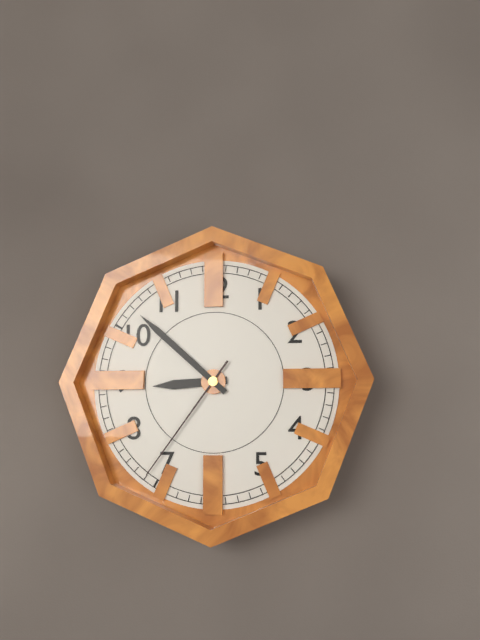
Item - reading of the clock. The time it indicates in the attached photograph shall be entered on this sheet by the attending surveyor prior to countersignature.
8:52:36
